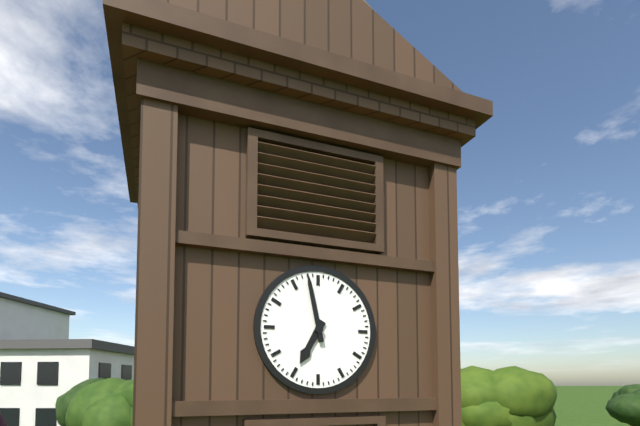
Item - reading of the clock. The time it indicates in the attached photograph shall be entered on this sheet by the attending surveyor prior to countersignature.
6:58
